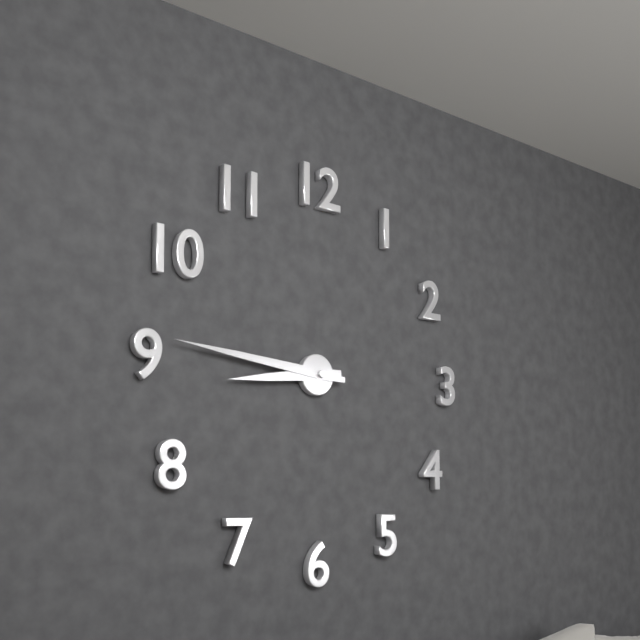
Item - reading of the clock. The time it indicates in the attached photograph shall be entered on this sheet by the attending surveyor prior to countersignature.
8:46
